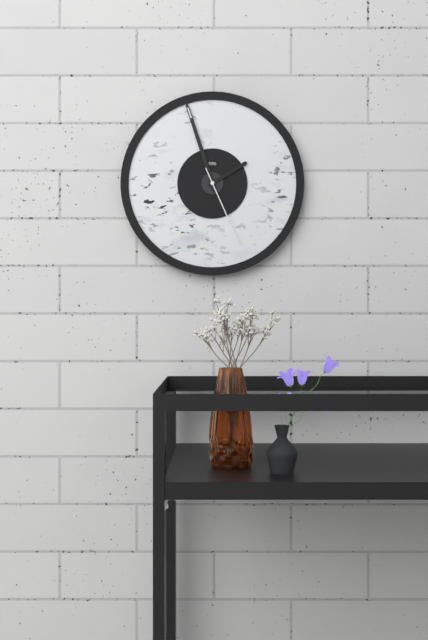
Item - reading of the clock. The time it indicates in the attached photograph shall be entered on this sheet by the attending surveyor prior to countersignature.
1:57:26
